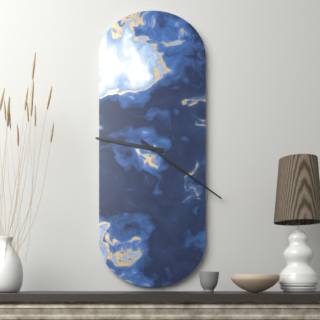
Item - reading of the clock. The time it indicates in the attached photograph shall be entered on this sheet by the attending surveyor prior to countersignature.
9:21
